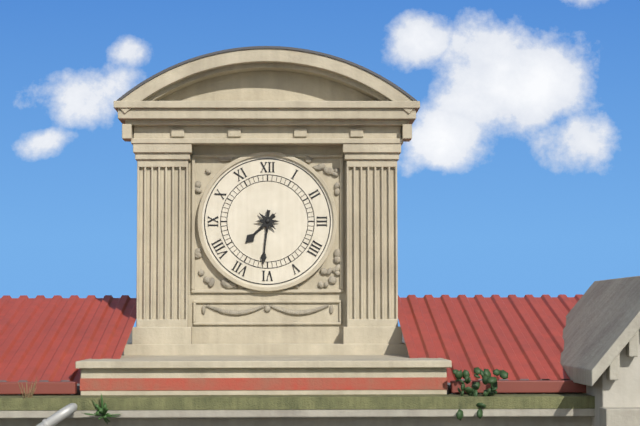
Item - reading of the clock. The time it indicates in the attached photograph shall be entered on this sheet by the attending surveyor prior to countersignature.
7:31
